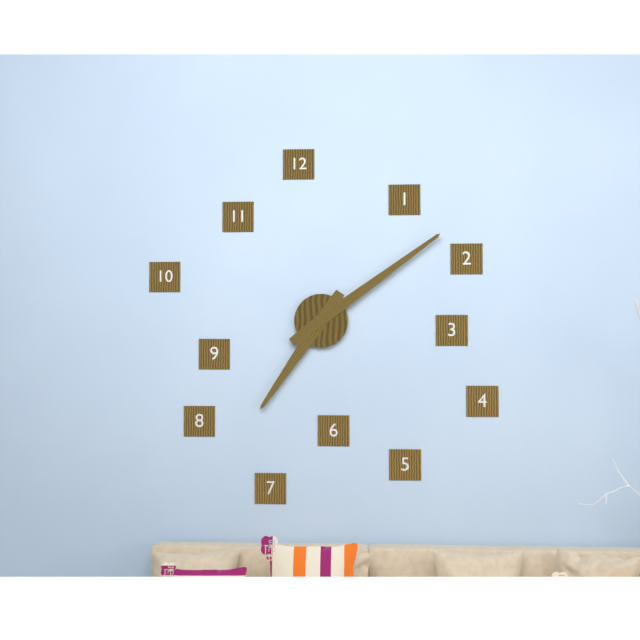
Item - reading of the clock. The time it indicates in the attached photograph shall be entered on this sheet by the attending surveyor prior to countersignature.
7:09
